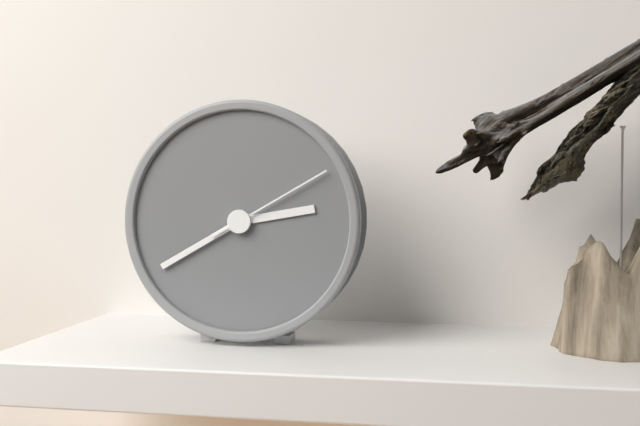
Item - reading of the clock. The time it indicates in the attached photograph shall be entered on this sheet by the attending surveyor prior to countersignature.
2:40:10
